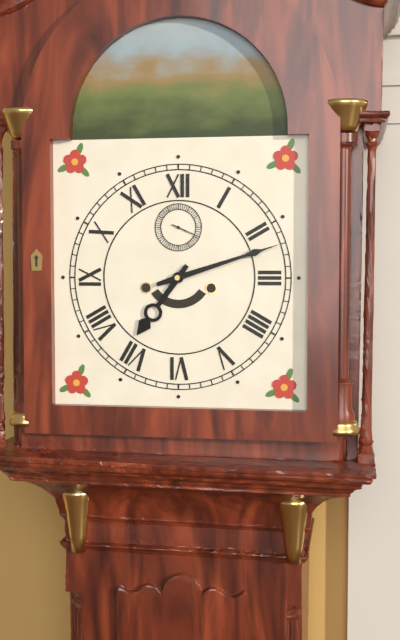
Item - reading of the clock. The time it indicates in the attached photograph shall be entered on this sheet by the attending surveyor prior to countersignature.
7:12
